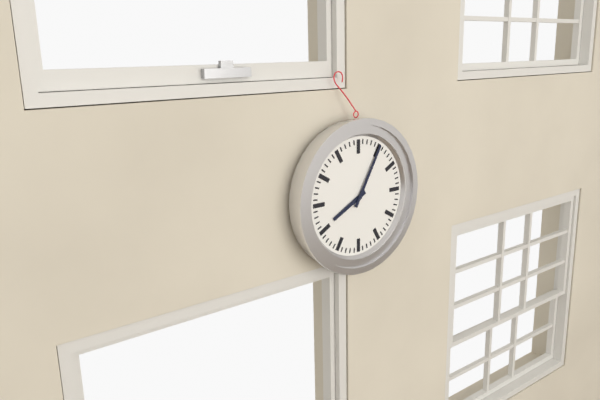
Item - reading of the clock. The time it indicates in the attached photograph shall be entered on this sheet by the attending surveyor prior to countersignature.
8:05
